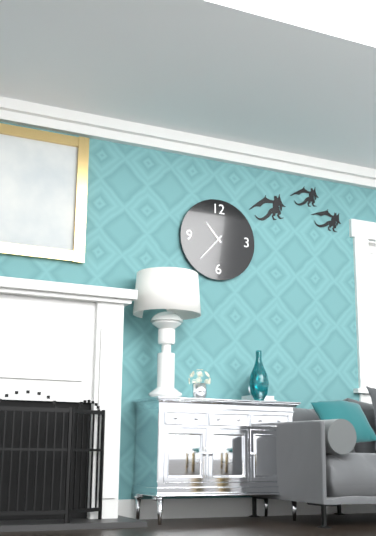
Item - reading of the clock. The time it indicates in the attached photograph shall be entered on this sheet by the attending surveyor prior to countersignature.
10:37
